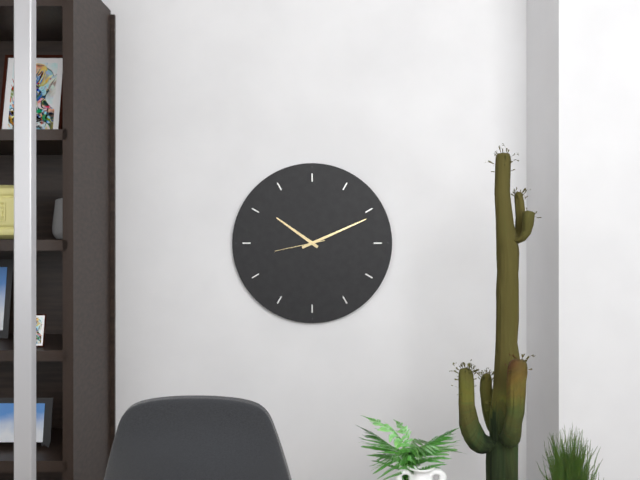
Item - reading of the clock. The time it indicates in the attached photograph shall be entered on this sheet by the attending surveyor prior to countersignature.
10:11
